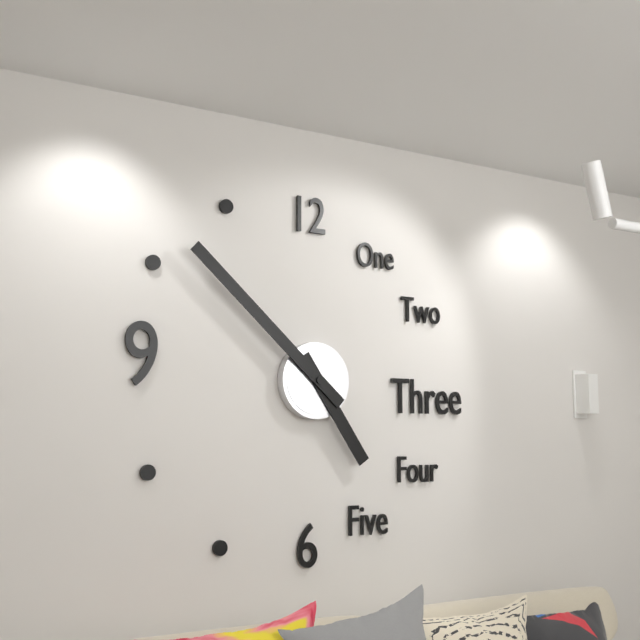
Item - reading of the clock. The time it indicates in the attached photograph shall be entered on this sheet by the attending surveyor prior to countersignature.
4:52
